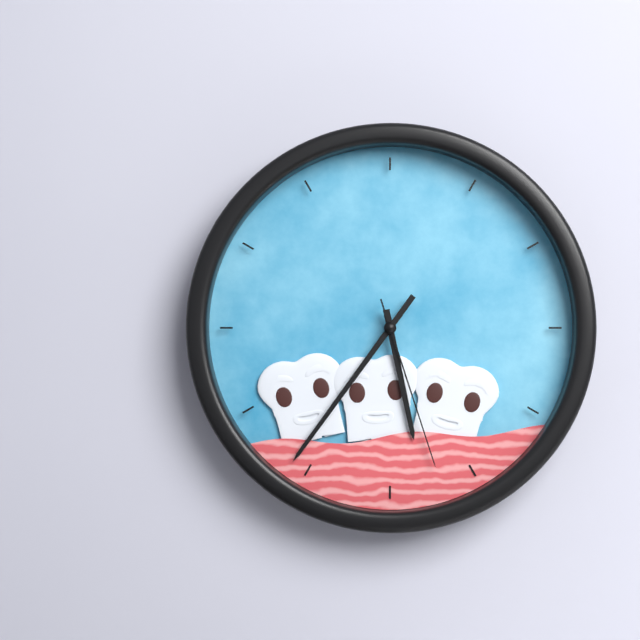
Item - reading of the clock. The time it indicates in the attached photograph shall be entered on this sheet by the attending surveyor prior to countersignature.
5:36:27
